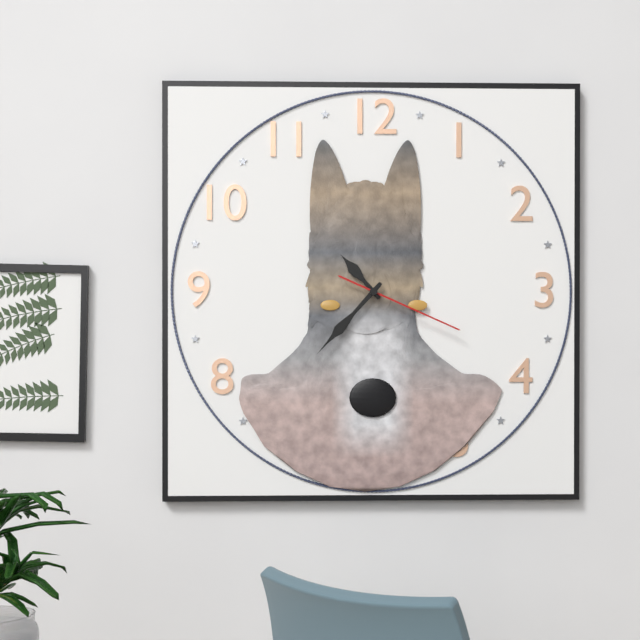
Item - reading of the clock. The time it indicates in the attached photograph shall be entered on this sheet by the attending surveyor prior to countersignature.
10:37:19
